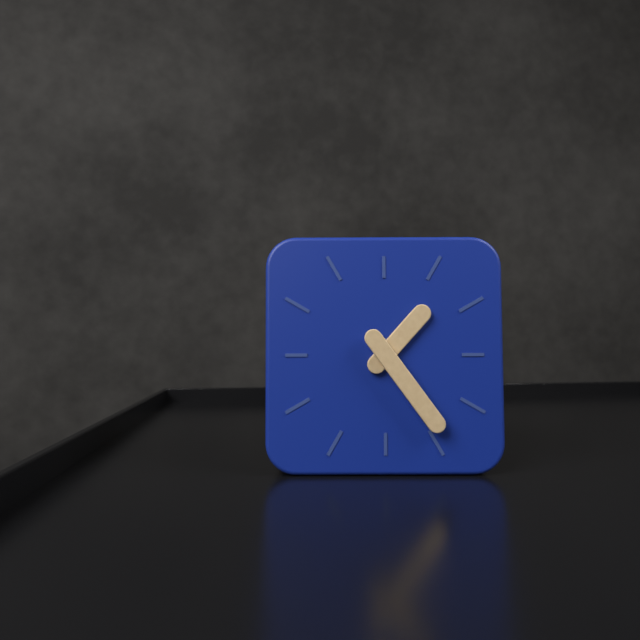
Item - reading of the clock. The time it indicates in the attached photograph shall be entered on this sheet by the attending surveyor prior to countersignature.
1:24
